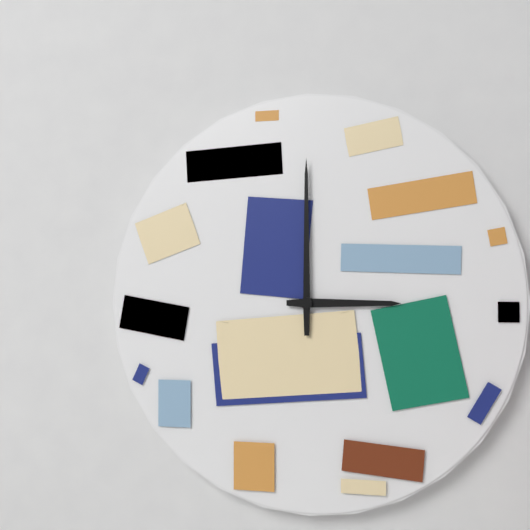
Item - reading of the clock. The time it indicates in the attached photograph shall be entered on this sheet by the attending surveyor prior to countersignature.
3:00
